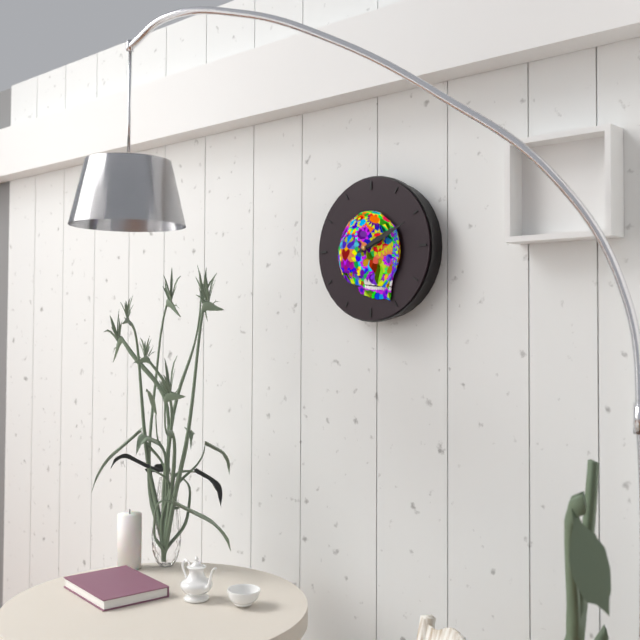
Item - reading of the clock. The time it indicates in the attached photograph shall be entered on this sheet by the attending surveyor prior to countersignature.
2:11
